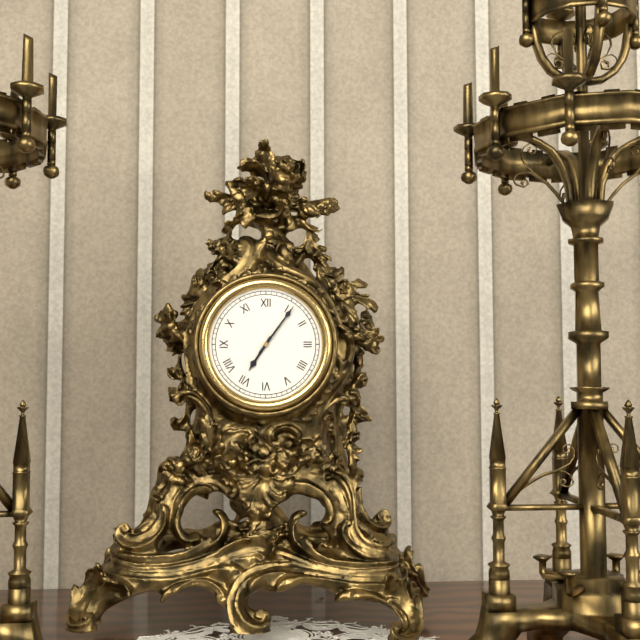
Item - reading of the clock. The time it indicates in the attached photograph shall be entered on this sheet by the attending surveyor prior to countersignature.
7:06
